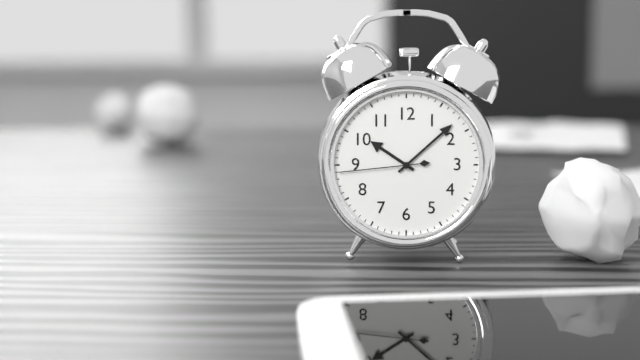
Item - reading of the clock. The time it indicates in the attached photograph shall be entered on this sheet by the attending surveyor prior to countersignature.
10:08:44
